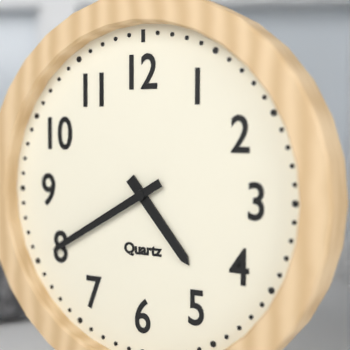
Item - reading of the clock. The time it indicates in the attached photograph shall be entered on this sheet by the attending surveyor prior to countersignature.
4:40
